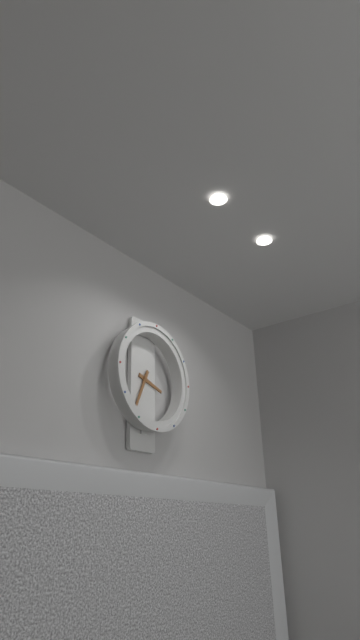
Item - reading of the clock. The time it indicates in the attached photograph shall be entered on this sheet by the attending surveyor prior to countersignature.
3:34
